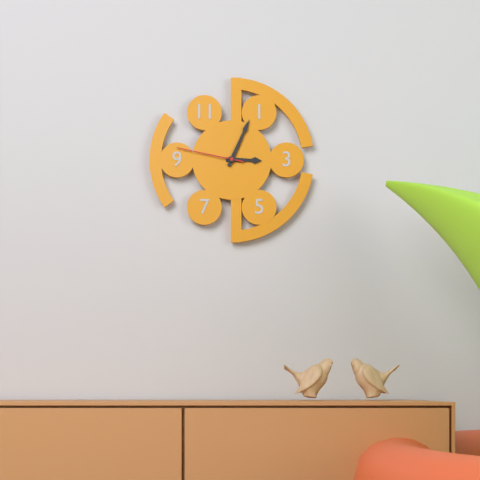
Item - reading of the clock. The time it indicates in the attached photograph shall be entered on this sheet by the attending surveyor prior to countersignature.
3:04:47
